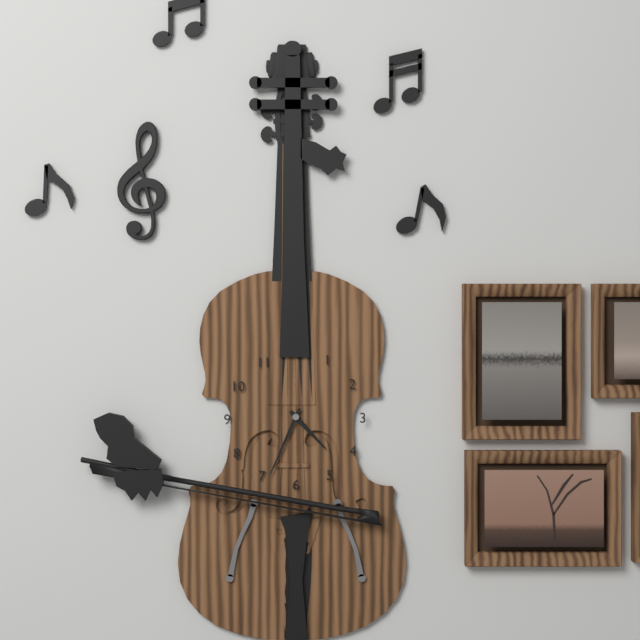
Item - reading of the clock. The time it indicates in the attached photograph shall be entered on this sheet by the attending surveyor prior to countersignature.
4:34
